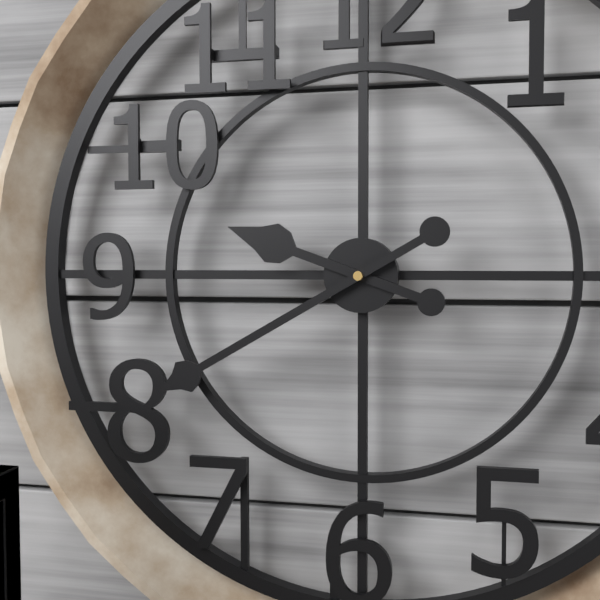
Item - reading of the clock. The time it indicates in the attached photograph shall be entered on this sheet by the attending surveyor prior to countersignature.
9:40
